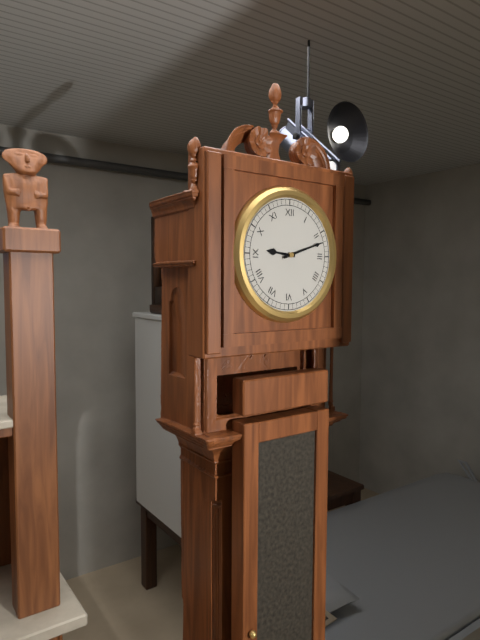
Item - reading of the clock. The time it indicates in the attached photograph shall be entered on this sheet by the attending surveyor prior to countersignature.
9:12
